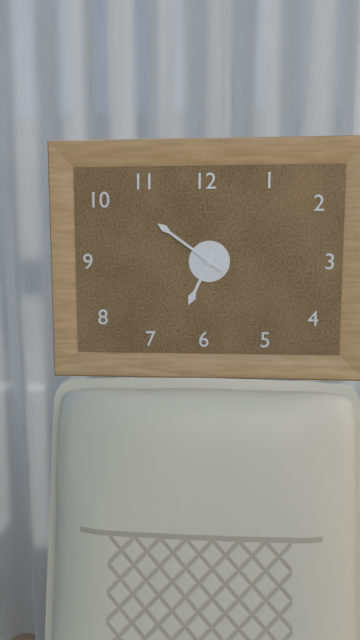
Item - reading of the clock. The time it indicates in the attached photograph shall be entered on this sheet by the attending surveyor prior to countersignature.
6:51
